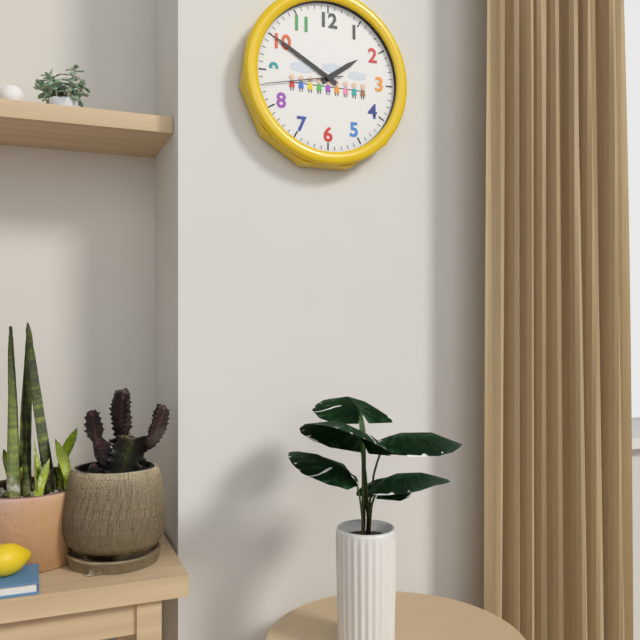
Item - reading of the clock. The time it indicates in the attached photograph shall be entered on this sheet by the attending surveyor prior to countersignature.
1:50:43
